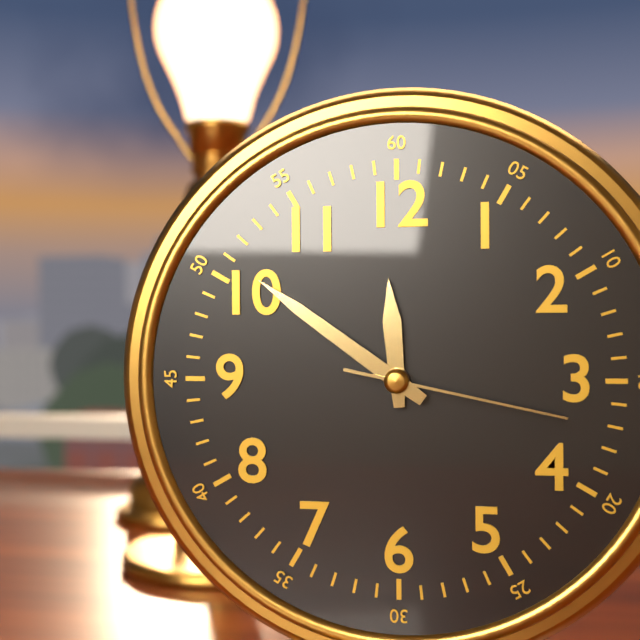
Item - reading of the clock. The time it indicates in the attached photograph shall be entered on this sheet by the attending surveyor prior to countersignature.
11:51:17
